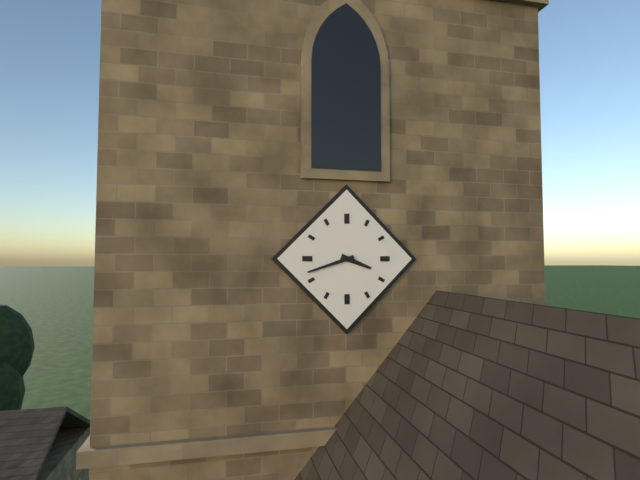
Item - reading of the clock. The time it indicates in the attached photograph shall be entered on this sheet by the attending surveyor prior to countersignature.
3:42
